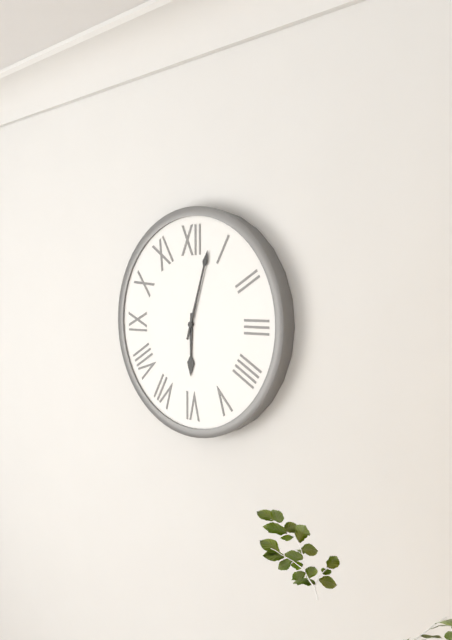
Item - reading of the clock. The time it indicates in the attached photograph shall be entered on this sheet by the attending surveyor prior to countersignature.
6:03
